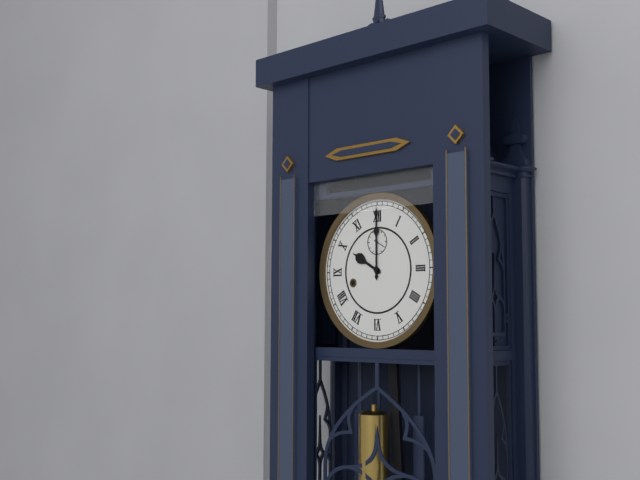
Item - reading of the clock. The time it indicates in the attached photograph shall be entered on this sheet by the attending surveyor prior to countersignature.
10:00
